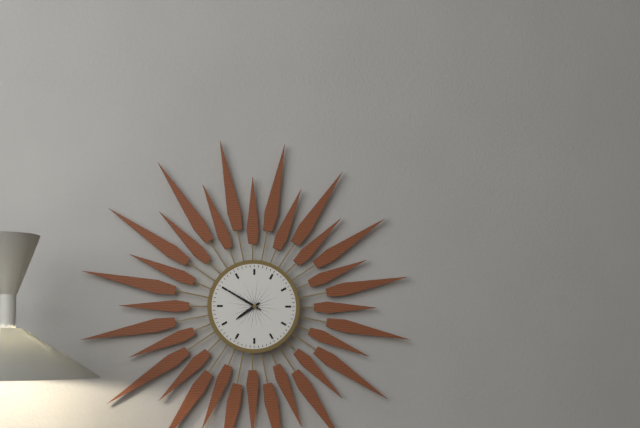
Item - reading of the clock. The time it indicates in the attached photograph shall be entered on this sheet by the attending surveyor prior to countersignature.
7:50
